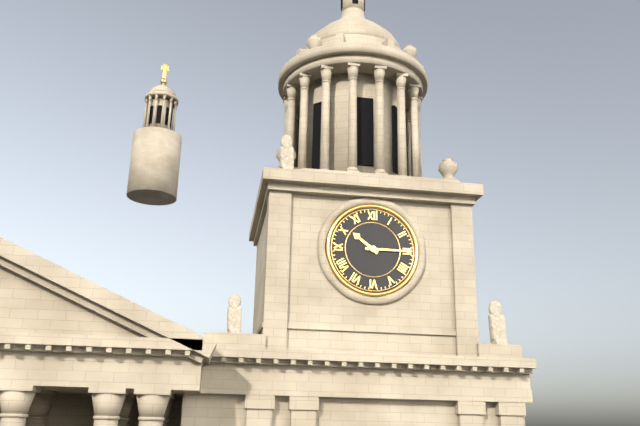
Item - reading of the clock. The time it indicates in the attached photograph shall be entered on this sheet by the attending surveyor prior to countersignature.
10:15
